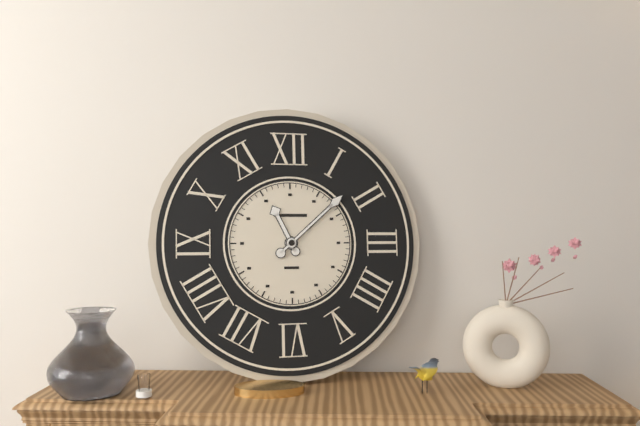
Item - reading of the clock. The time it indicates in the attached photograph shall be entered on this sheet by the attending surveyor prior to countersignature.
11:08
